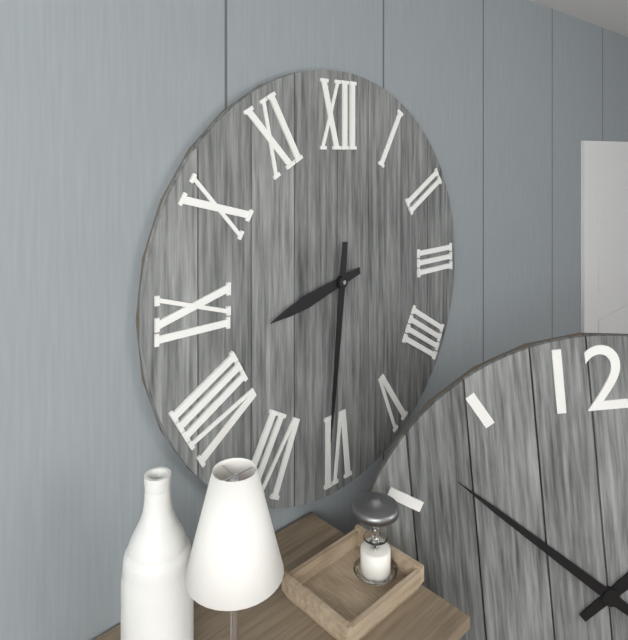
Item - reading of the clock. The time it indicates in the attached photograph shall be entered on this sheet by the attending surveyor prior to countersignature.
8:31
